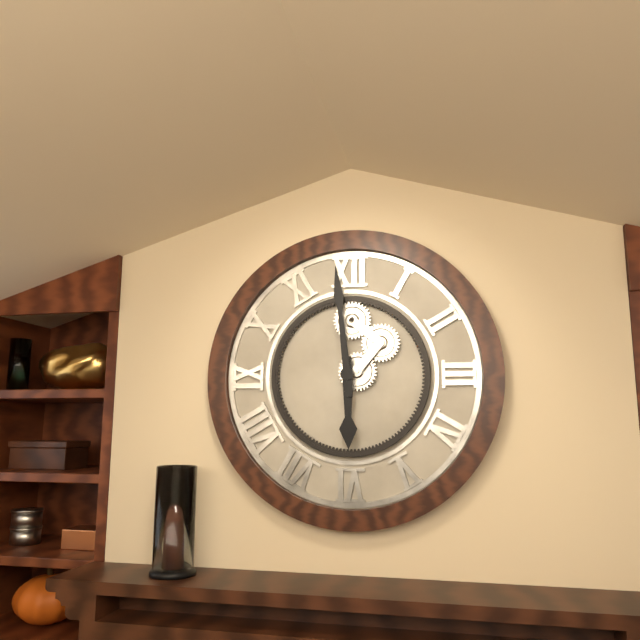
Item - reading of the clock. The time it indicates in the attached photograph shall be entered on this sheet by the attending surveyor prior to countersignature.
5:59
